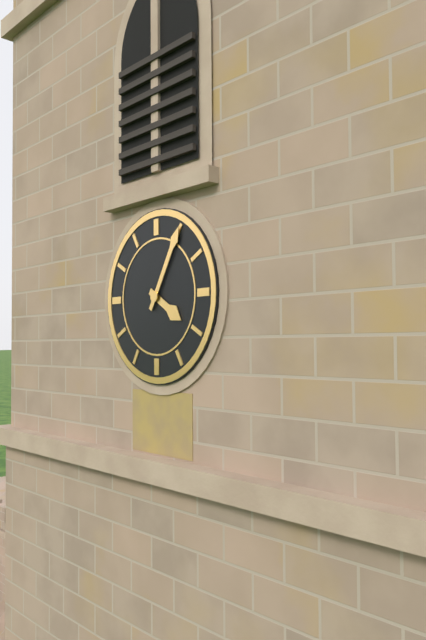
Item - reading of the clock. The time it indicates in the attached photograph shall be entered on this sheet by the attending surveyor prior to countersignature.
4:05
